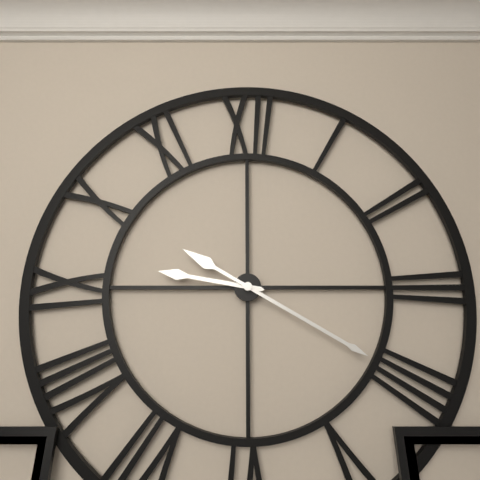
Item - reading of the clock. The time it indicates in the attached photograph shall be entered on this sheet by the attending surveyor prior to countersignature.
9:20
